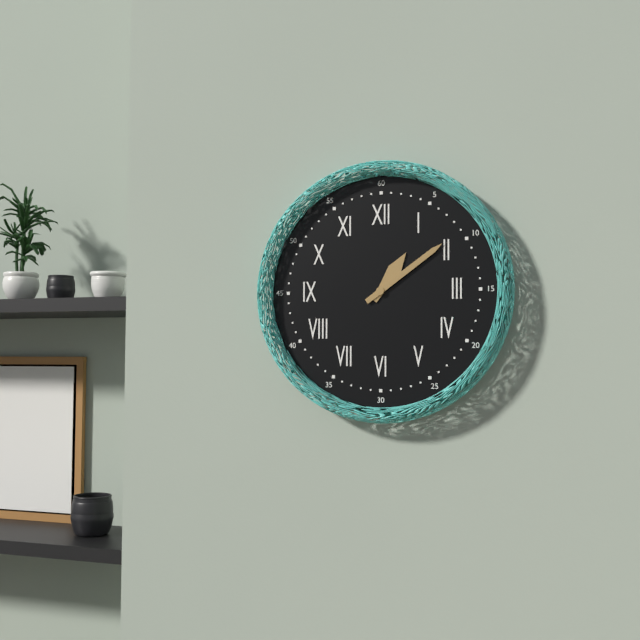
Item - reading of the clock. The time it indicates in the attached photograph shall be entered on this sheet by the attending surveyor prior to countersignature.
1:09
